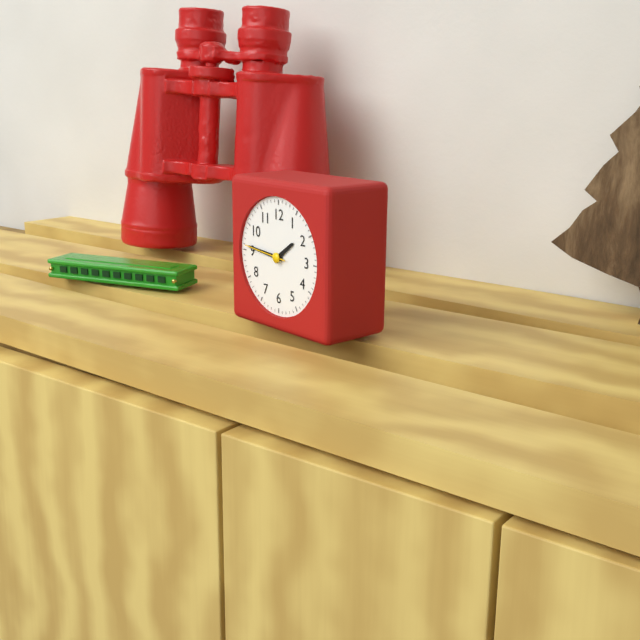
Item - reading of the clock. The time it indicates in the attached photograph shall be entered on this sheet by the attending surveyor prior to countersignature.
1:46
